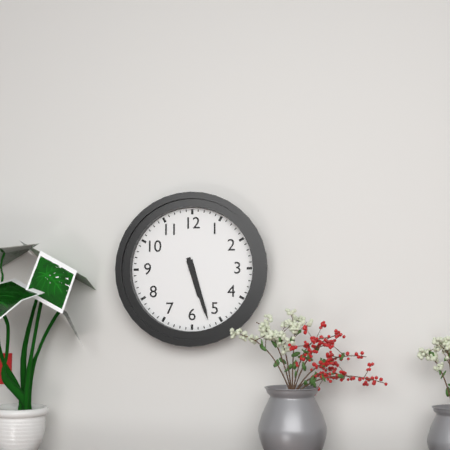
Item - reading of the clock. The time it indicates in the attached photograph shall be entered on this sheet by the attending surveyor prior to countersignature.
5:27
